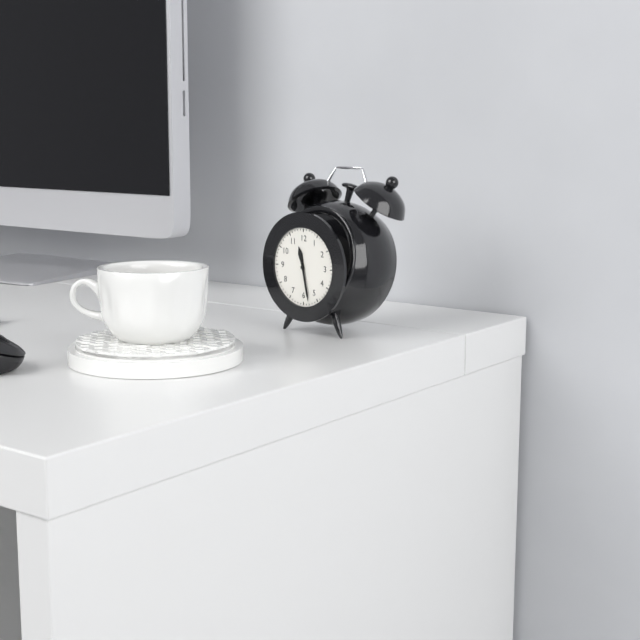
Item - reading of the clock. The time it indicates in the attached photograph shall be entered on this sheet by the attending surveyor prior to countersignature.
11:28
